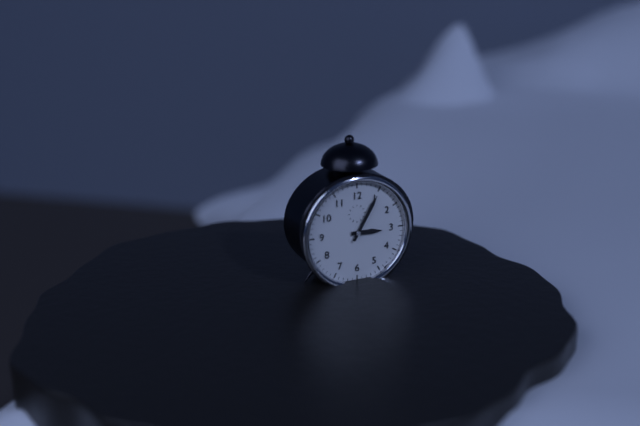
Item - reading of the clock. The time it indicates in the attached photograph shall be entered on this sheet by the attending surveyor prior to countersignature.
3:05
